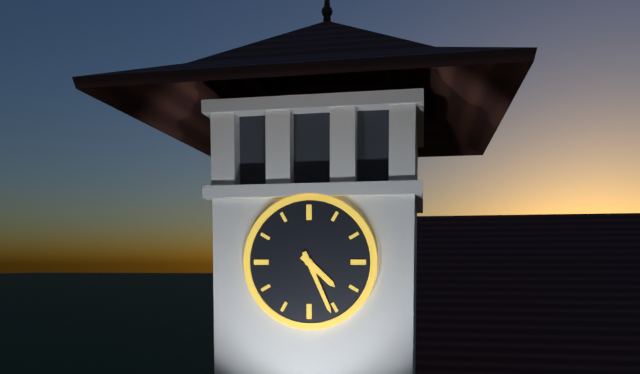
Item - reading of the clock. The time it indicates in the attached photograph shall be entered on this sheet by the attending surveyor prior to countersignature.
4:26
